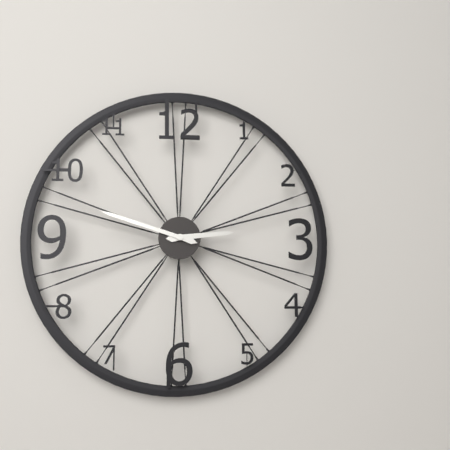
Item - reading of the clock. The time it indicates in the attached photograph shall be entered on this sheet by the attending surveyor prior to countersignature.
2:48
